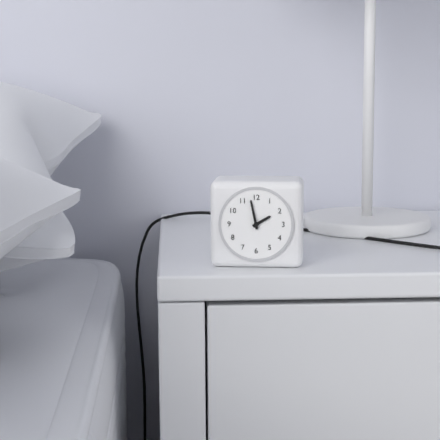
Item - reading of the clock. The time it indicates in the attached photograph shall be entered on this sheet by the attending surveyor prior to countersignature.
1:58
